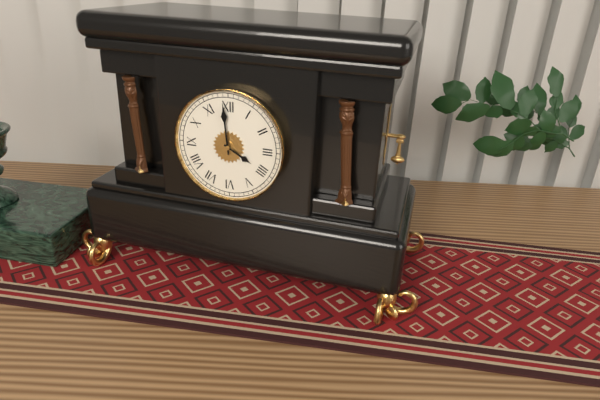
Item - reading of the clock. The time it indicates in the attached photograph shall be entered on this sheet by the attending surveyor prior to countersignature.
3:59
